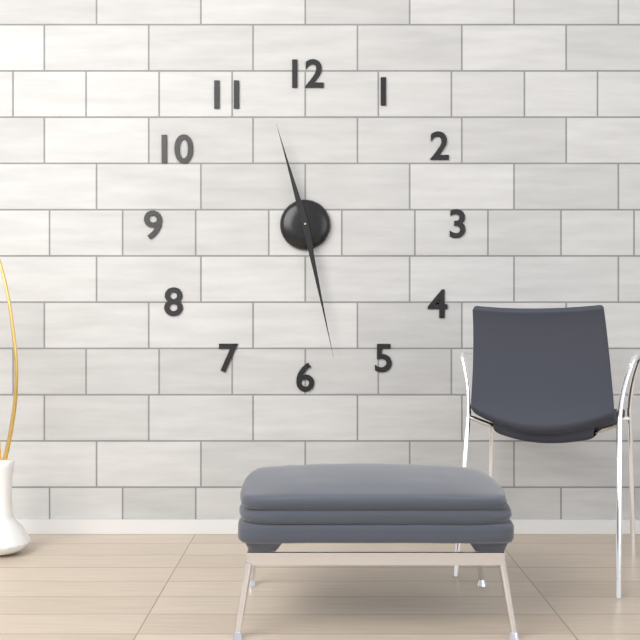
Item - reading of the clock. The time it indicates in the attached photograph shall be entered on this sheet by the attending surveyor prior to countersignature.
11:28
